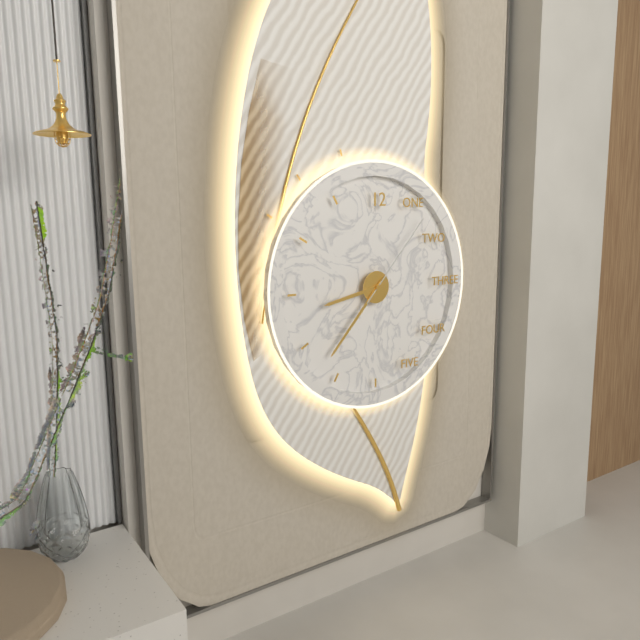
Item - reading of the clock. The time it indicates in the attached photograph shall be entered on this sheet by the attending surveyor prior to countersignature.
8:37:07
